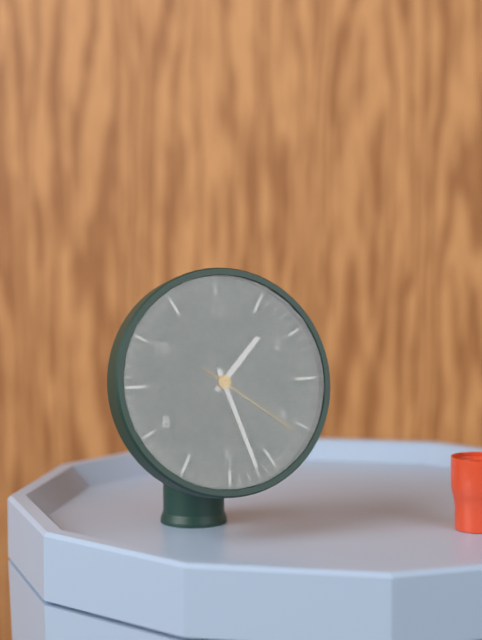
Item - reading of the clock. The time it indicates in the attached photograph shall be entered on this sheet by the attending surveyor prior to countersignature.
1:27:21
